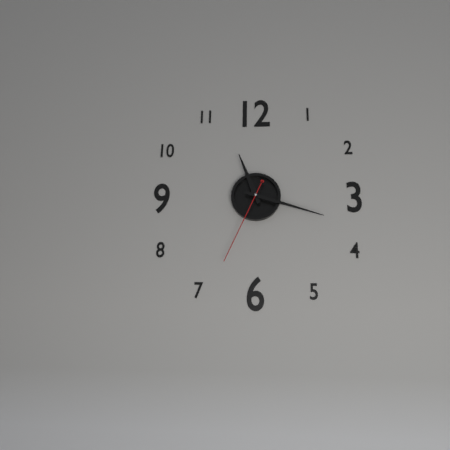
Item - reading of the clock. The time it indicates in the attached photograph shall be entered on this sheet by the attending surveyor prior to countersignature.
11:18:34
